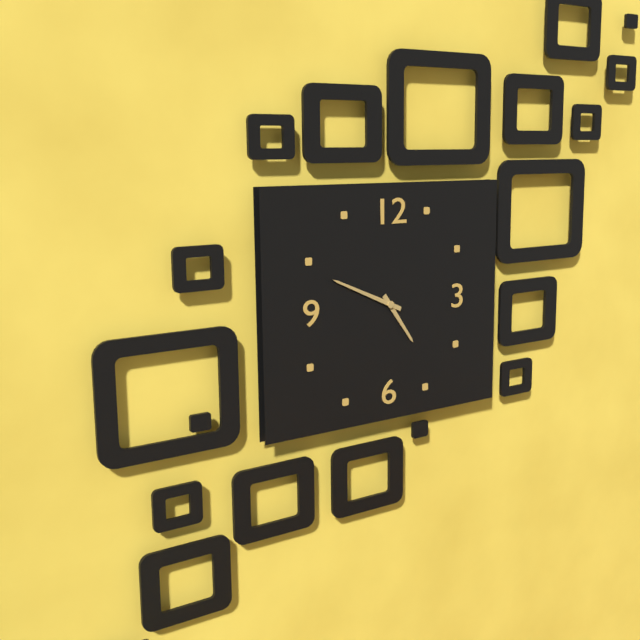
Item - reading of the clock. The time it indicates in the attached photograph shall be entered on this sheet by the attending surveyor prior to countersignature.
4:49
